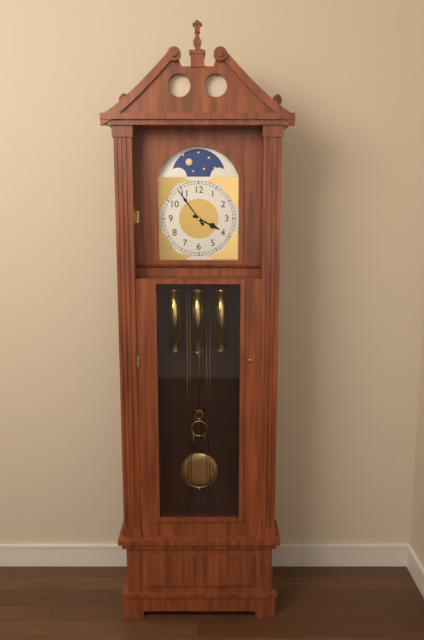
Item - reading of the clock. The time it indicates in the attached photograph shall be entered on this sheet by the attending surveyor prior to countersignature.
3:54
